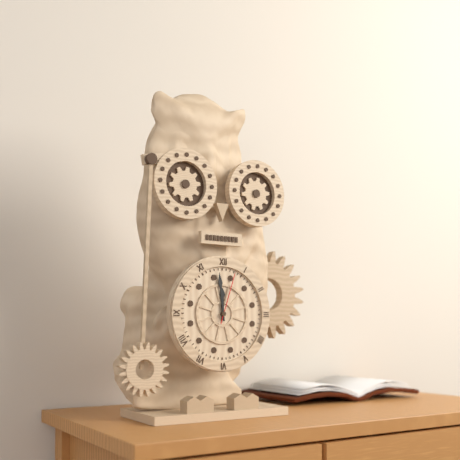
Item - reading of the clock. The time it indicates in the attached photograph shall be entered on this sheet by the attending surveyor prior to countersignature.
11:59:03
